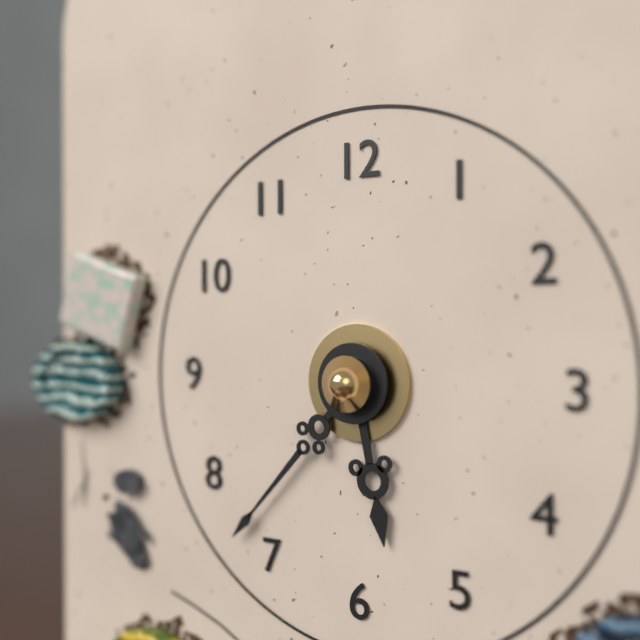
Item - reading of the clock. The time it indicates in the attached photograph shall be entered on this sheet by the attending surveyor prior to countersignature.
5:37
